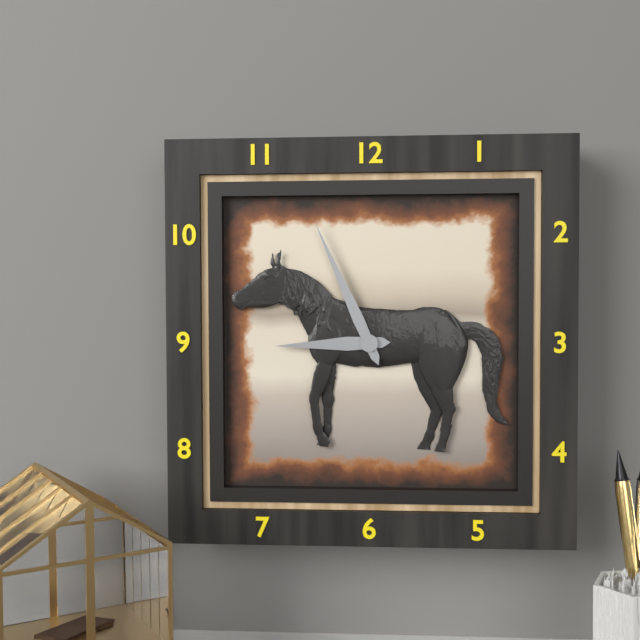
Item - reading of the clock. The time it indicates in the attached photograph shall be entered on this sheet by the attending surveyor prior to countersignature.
8:56
